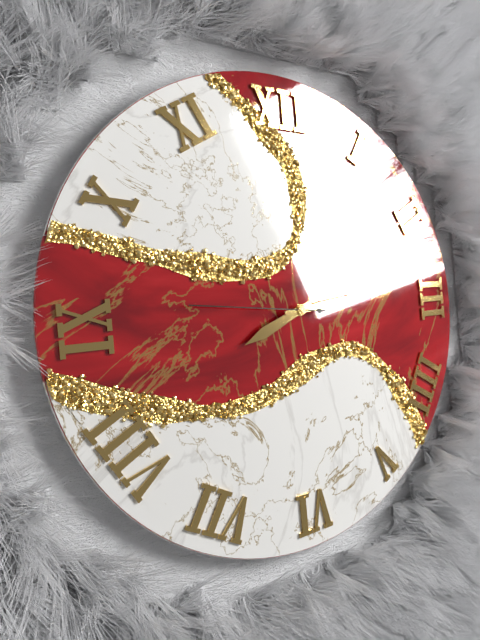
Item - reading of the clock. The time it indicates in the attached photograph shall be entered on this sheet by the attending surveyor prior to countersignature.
8:14:46
